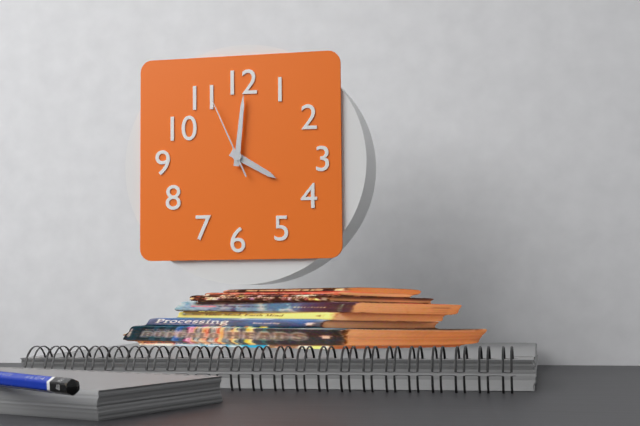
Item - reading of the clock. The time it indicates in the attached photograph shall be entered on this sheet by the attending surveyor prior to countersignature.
4:01:56
